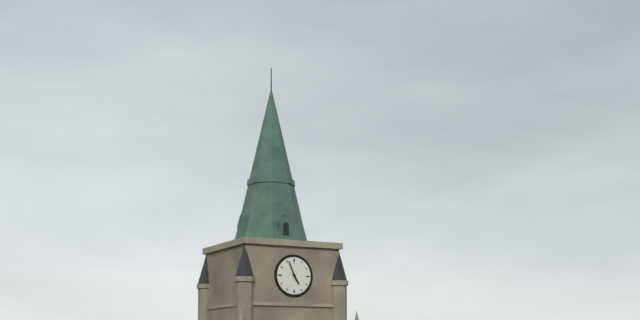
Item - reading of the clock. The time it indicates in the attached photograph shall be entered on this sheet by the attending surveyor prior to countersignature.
4:56
